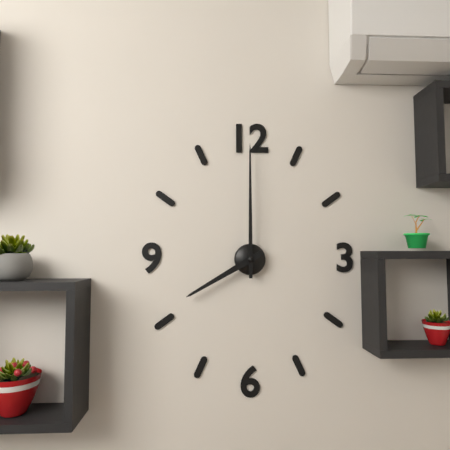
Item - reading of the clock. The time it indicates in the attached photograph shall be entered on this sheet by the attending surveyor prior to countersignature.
8:00
